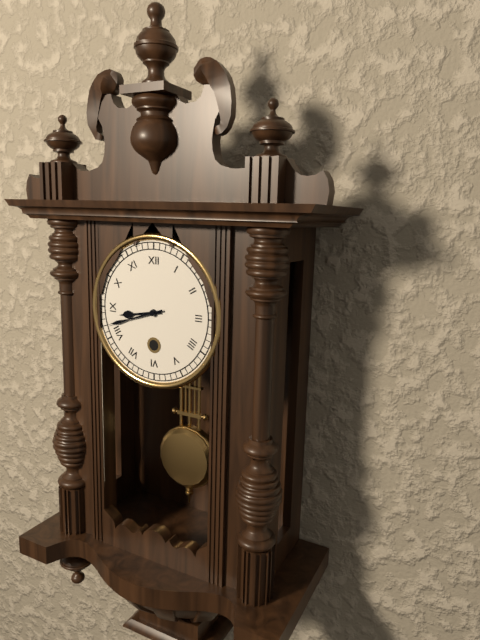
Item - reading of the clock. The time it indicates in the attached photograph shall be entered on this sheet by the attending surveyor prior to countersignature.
8:42
